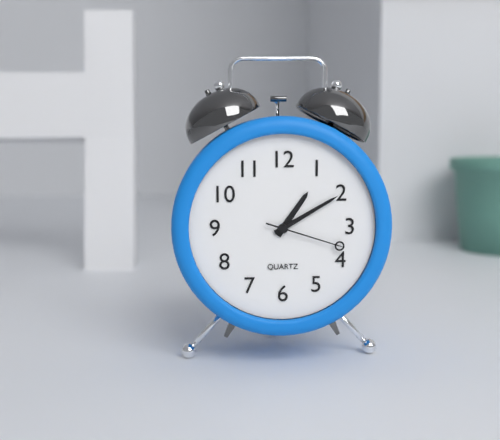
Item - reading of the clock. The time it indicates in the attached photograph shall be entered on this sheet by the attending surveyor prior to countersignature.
1:10:18
